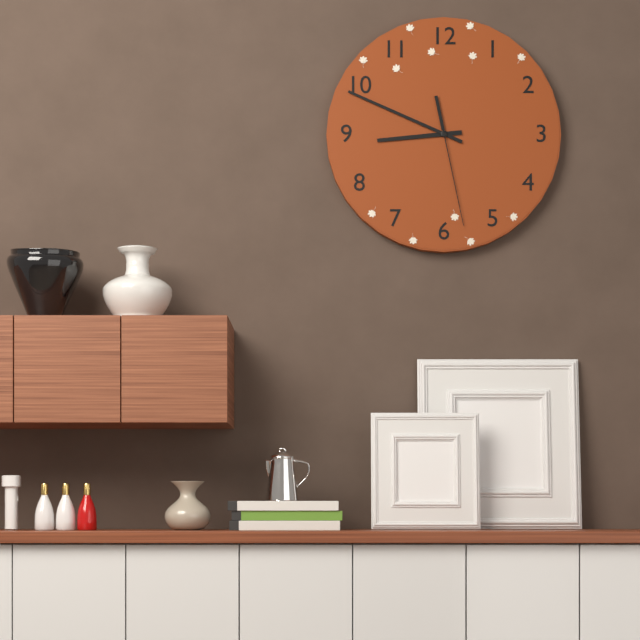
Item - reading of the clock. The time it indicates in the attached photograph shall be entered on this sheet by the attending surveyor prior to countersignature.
8:49:28
